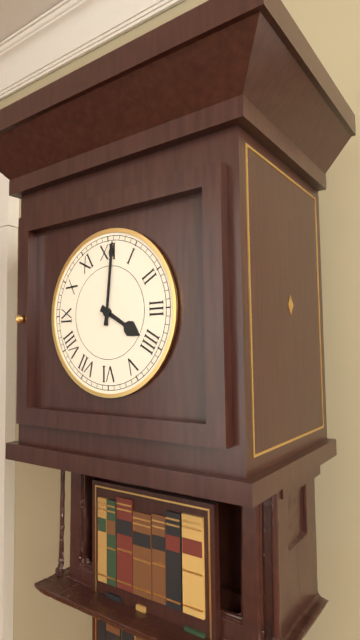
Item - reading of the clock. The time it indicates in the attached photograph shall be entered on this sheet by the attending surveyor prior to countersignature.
4:01
